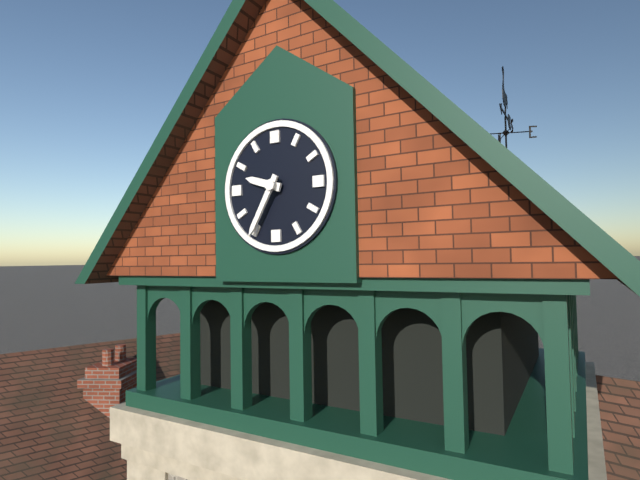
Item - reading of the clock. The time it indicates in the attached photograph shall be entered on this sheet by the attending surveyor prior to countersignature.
9:35
